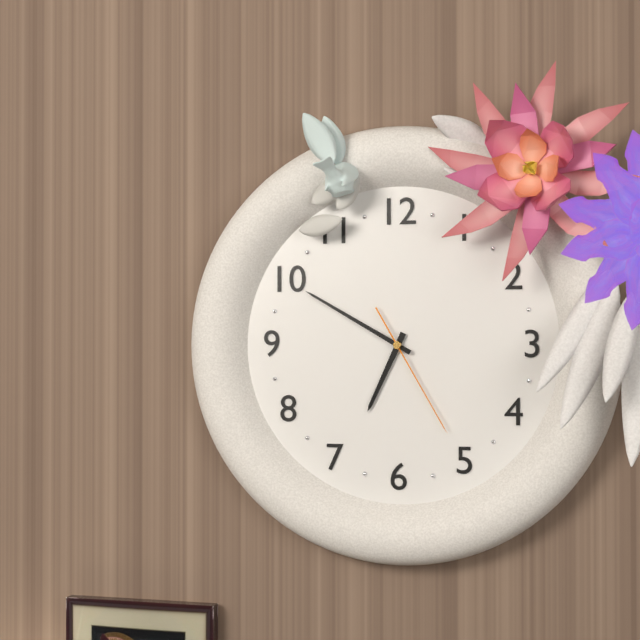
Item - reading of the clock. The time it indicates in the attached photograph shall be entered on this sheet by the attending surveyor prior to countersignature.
6:50:25
